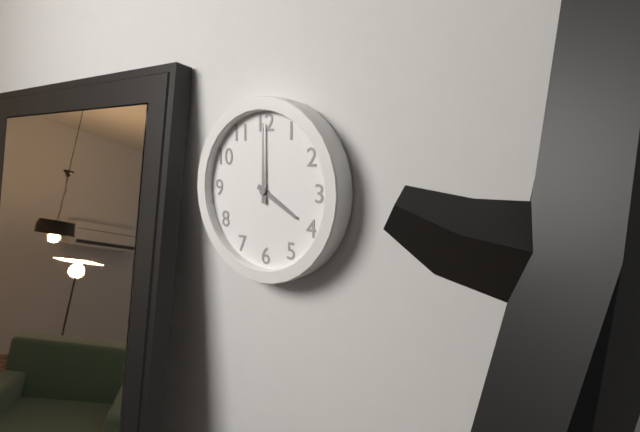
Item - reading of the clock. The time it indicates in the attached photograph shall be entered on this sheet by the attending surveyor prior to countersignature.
4:00
